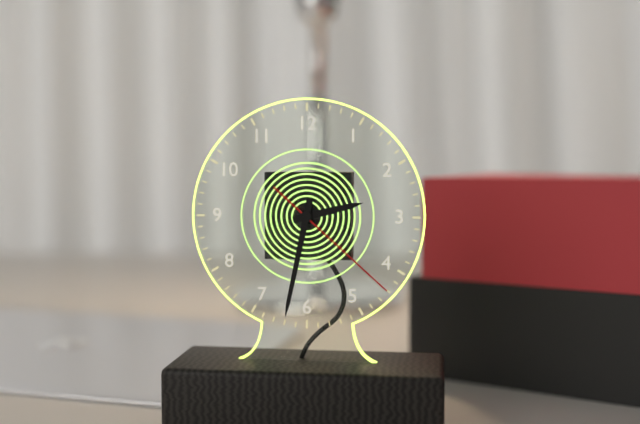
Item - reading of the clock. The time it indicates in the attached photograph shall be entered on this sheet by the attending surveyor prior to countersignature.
2:32:22
